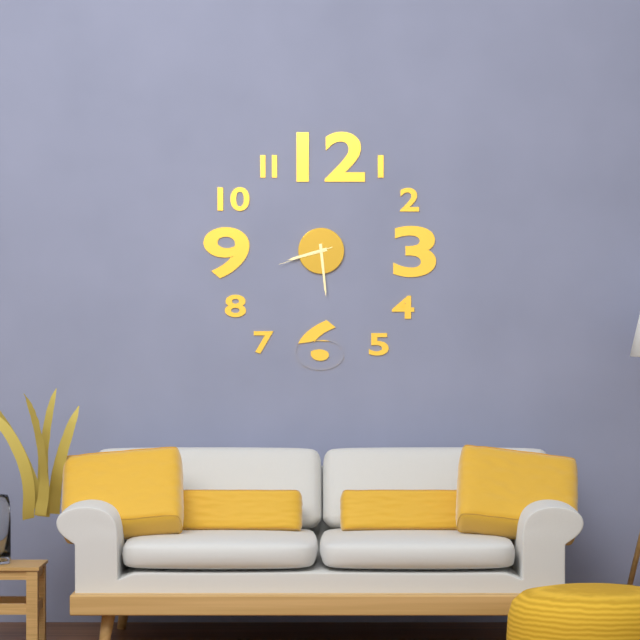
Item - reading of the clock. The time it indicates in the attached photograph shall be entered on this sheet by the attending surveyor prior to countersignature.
8:29:42
